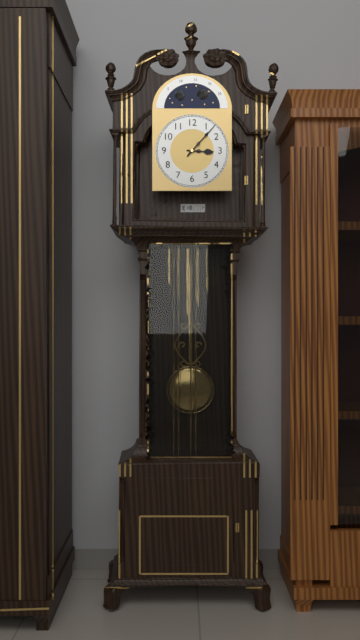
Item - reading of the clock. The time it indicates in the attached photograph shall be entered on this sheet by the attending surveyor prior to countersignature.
3:07
